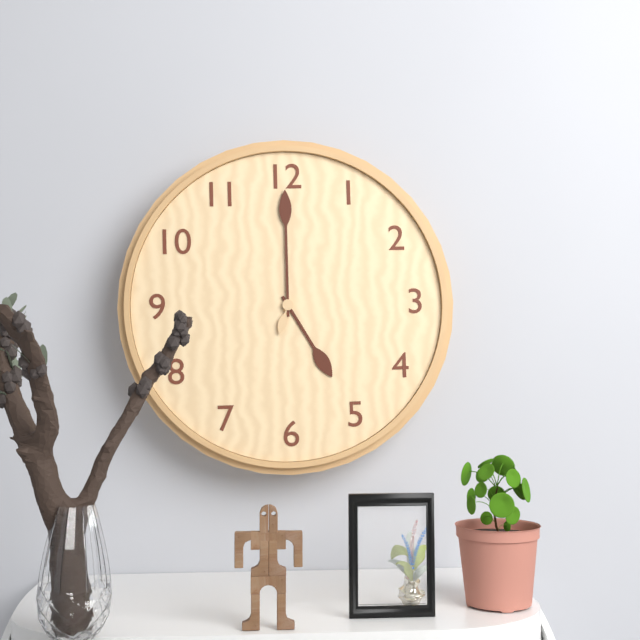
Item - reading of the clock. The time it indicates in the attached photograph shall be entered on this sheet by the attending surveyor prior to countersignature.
5:00
